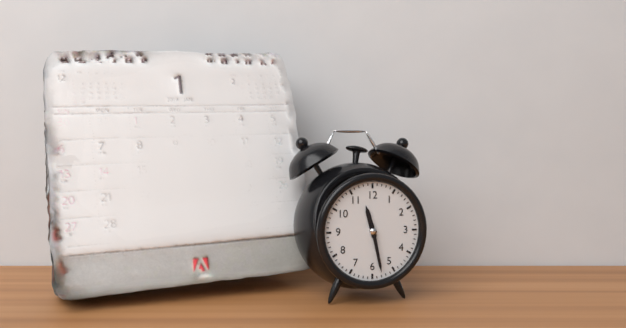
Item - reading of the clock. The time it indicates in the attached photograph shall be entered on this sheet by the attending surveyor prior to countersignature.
11:28
